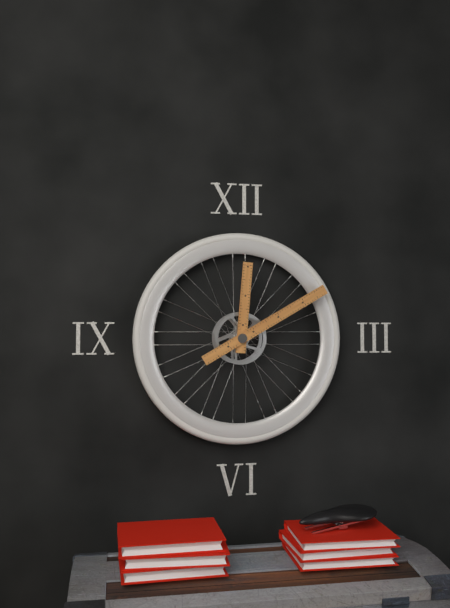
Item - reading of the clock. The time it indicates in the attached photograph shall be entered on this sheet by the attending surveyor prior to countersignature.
12:10
